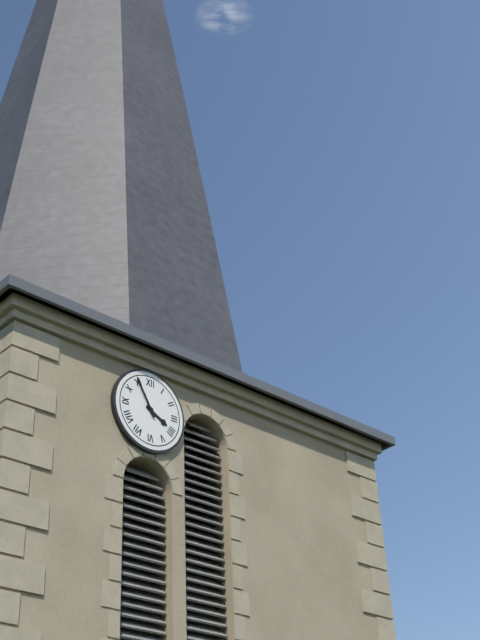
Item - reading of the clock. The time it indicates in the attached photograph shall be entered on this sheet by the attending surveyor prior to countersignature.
3:55
